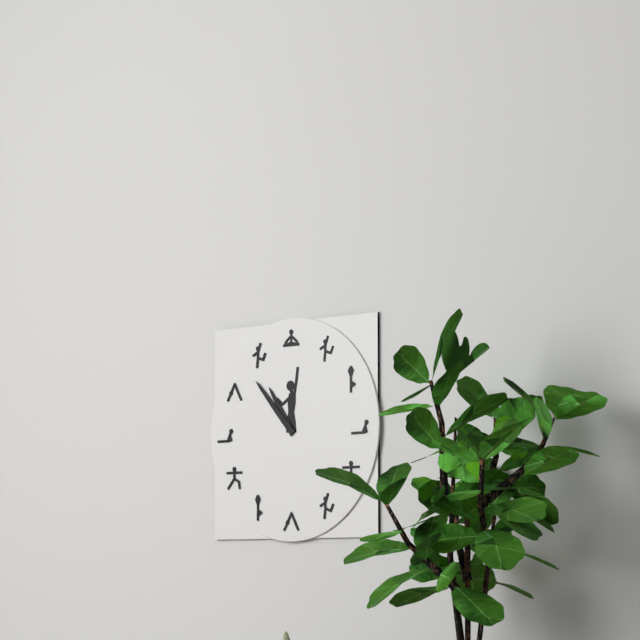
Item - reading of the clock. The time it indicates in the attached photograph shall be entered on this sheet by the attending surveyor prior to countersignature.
10:53
